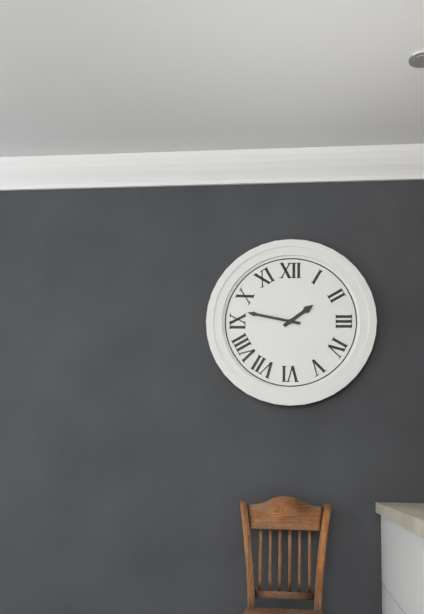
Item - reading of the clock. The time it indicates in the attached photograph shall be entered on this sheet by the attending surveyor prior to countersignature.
1:47
